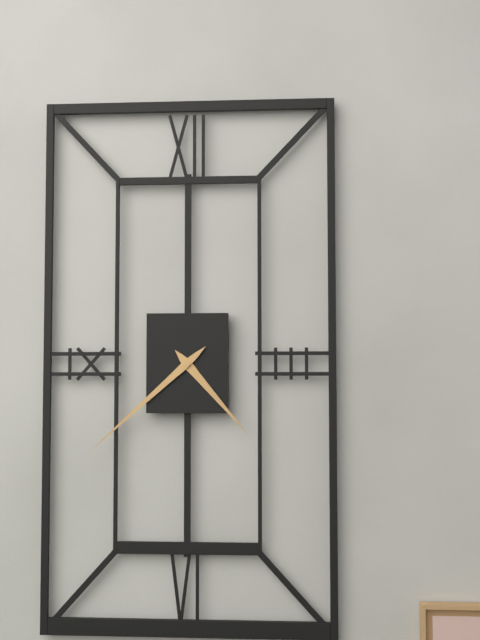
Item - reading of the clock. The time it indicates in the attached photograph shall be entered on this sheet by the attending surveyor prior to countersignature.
4:38
